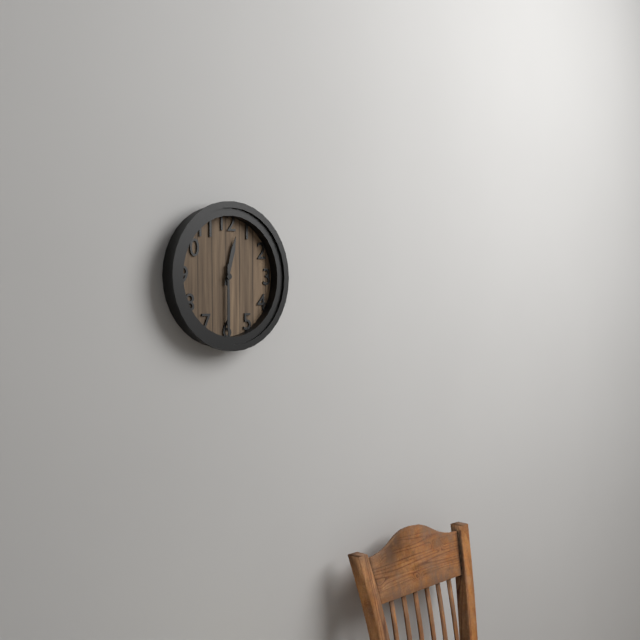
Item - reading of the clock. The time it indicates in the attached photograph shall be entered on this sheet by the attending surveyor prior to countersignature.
12:30
